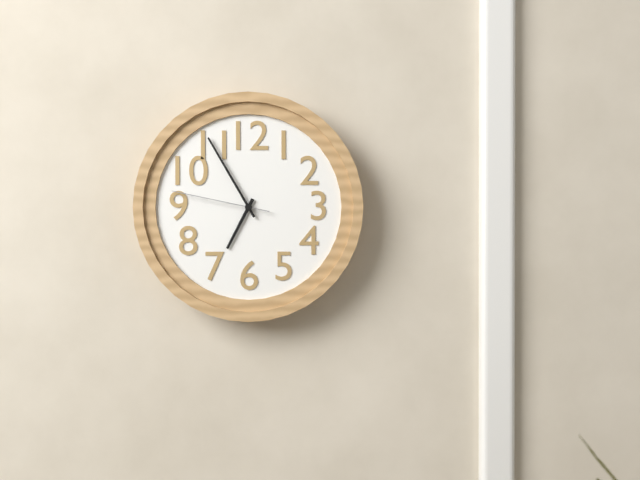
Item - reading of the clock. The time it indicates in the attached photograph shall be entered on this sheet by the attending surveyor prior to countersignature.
6:55:47
